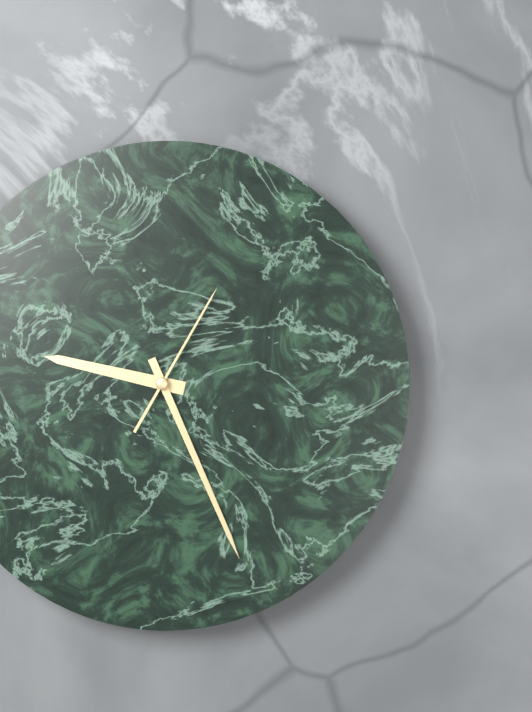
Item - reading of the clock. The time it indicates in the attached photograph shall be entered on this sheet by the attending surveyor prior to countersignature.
9:26:05
